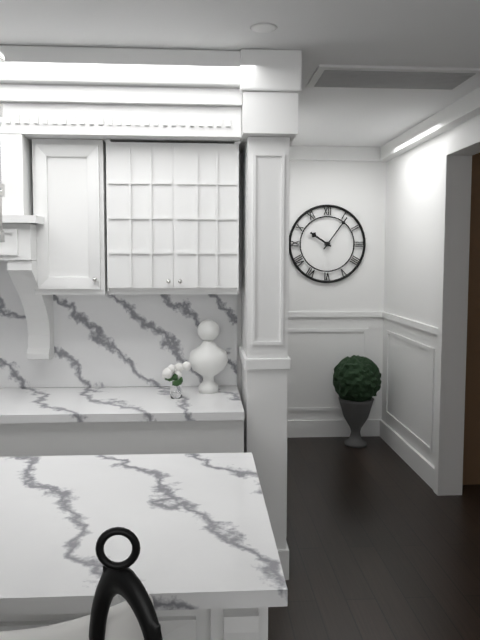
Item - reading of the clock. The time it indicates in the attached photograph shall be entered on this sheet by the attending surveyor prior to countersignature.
10:06
